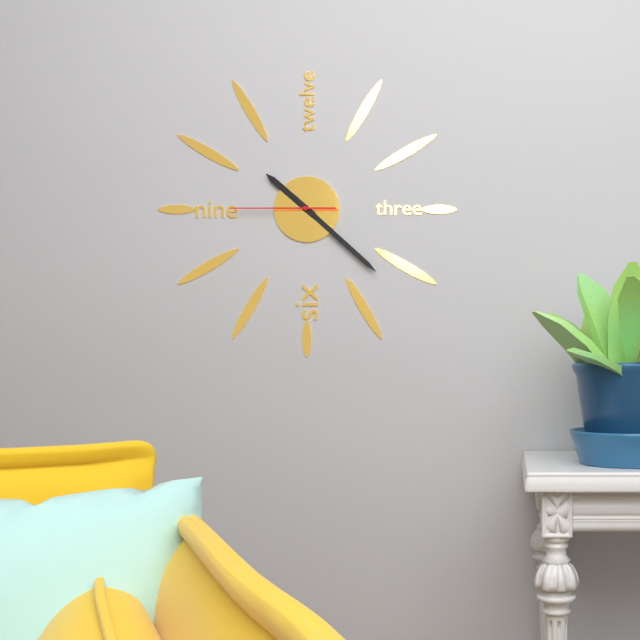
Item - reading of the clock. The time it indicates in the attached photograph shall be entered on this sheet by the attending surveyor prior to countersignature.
10:22:45
